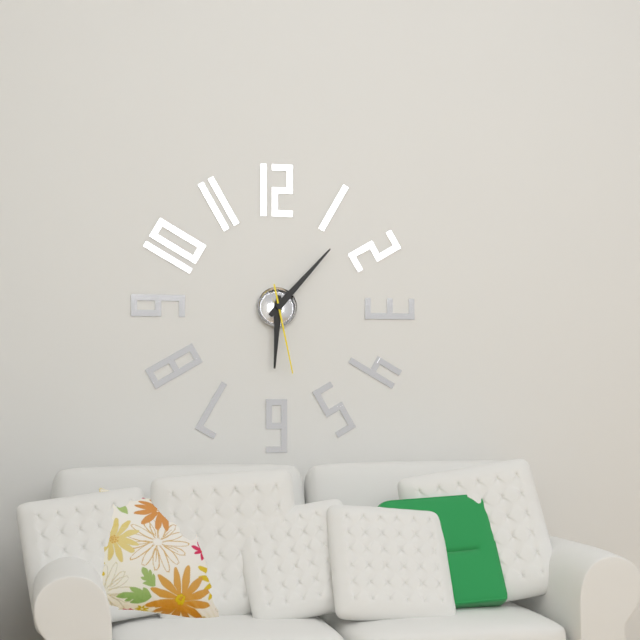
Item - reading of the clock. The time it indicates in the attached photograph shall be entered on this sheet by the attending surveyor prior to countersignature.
6:07:28
